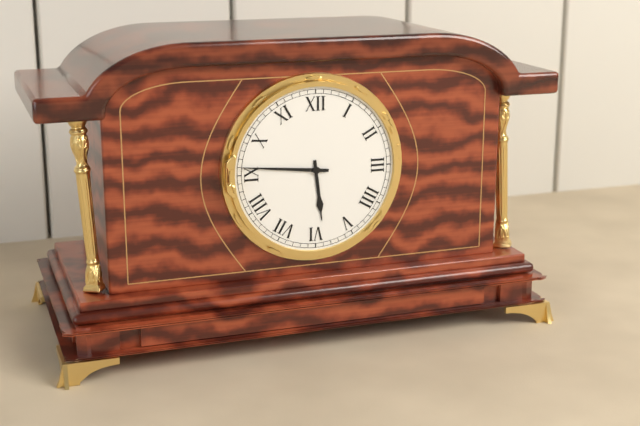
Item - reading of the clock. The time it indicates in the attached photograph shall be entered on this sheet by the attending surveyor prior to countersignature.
5:46
